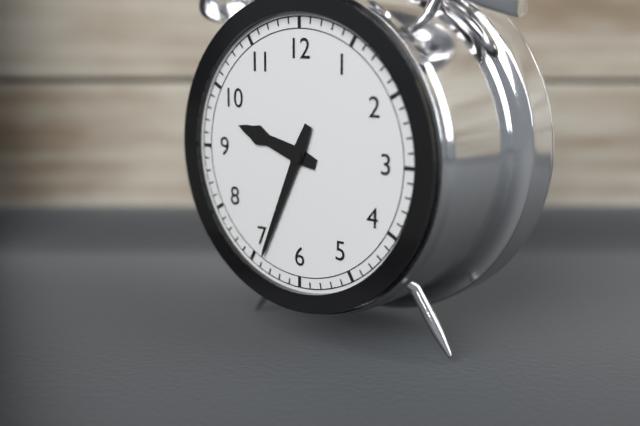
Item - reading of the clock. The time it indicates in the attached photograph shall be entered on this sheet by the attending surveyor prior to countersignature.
9:34
